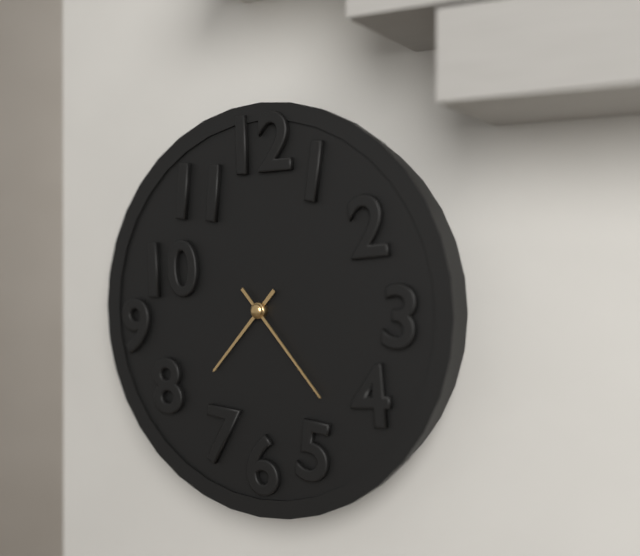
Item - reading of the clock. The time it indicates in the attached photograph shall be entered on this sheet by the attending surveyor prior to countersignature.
7:23
